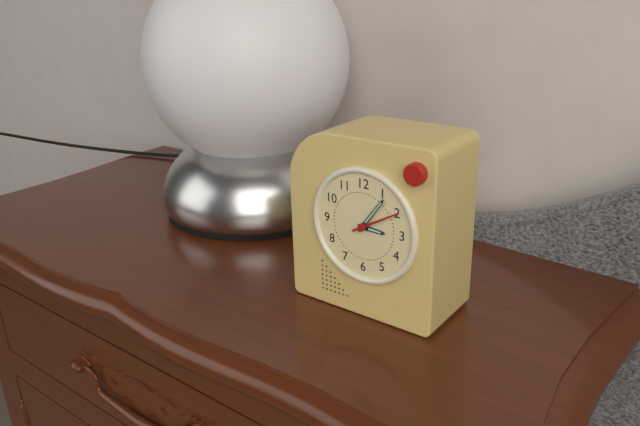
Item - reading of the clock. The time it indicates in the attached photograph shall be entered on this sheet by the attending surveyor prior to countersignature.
3:06
